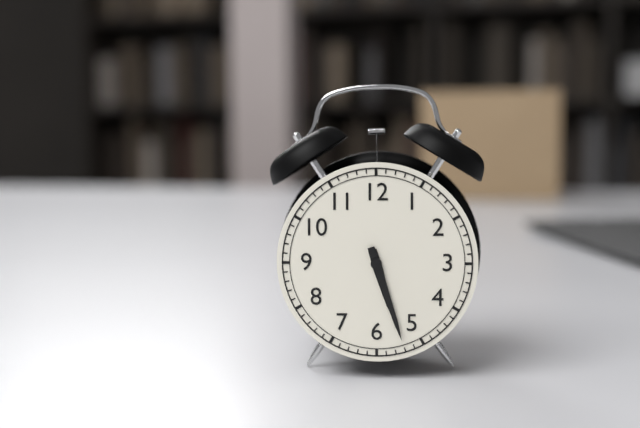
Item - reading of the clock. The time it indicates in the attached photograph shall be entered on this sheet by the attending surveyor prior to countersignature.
5:27
